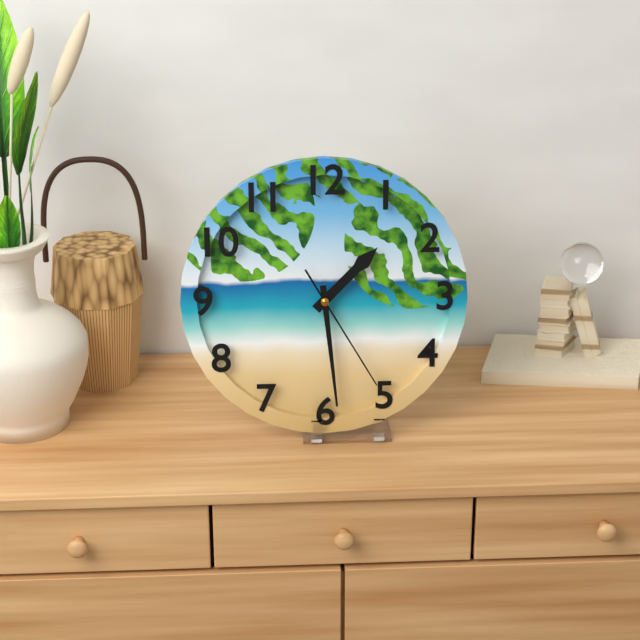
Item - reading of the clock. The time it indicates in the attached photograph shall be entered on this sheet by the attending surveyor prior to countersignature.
1:29:25
